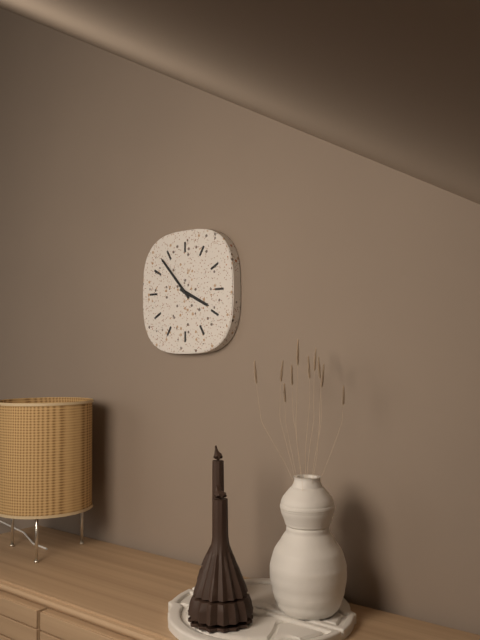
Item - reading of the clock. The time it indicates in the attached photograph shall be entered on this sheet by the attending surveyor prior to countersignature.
3:53
